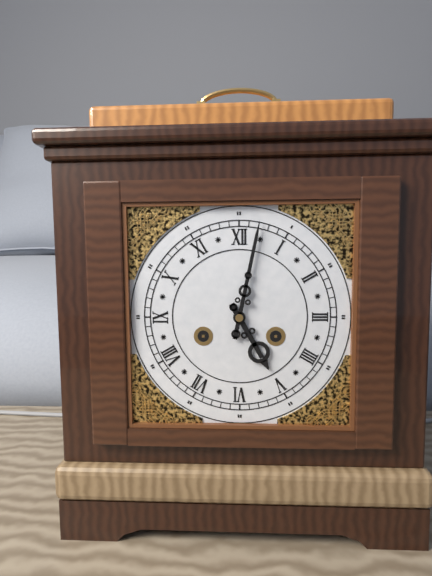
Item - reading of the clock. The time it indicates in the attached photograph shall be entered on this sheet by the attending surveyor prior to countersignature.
5:02
